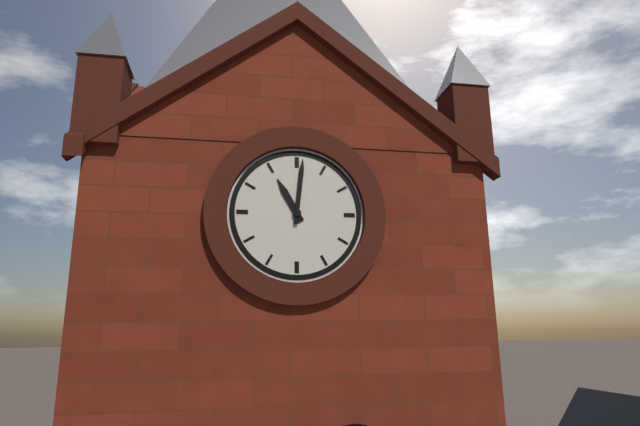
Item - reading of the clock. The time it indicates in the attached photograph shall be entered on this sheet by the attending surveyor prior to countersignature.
11:01
